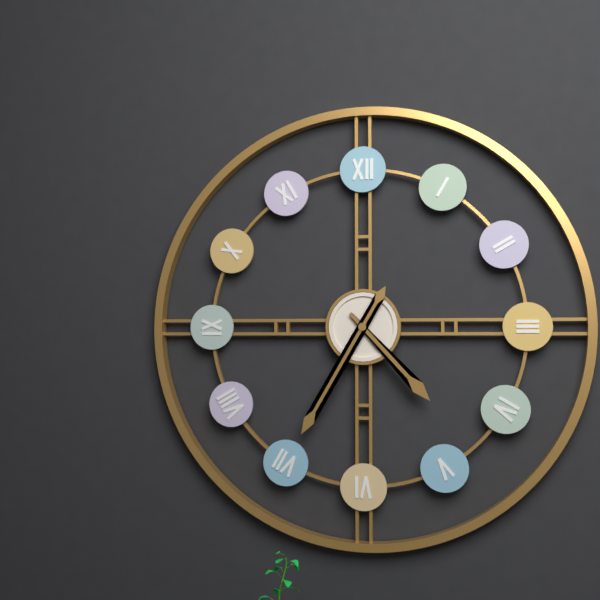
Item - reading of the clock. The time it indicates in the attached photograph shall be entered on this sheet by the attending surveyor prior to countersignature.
4:35
